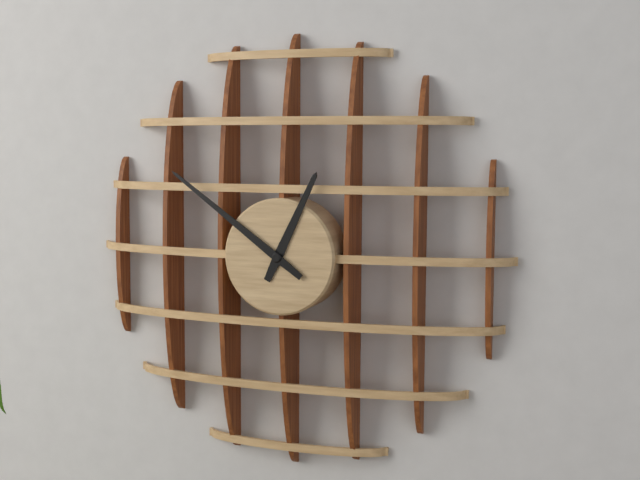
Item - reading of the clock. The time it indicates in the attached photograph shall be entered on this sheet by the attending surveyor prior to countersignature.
12:51
